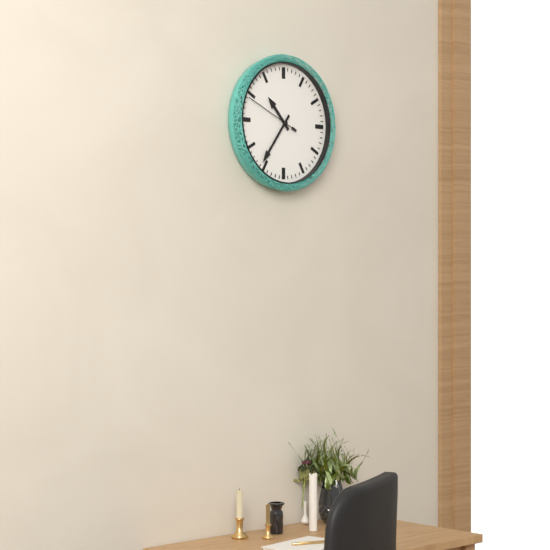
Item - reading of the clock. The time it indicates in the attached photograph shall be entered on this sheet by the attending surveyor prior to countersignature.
10:36:49
